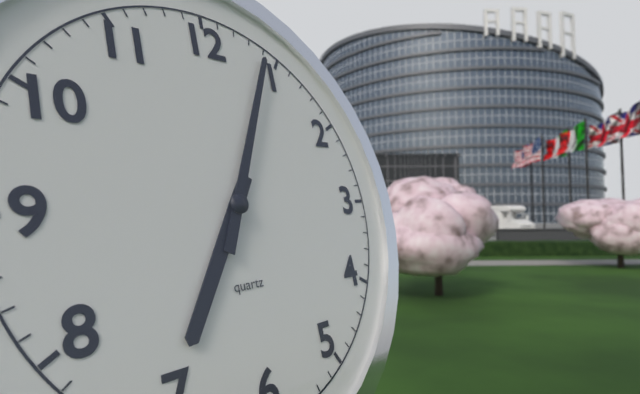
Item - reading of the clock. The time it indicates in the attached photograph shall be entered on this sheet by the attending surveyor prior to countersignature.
7:04
